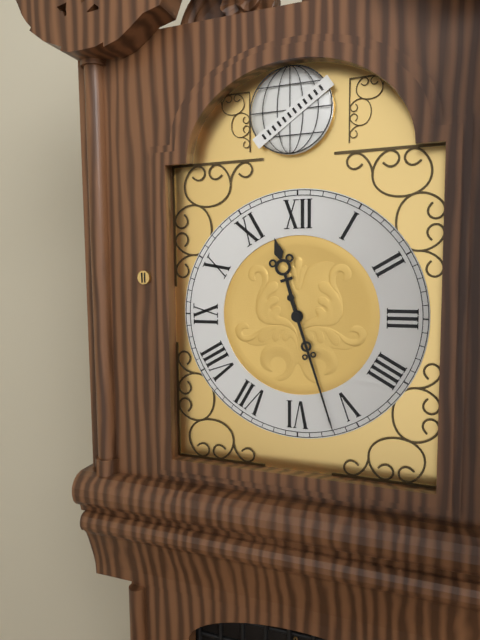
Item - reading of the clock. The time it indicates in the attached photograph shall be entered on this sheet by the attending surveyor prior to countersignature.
11:27
